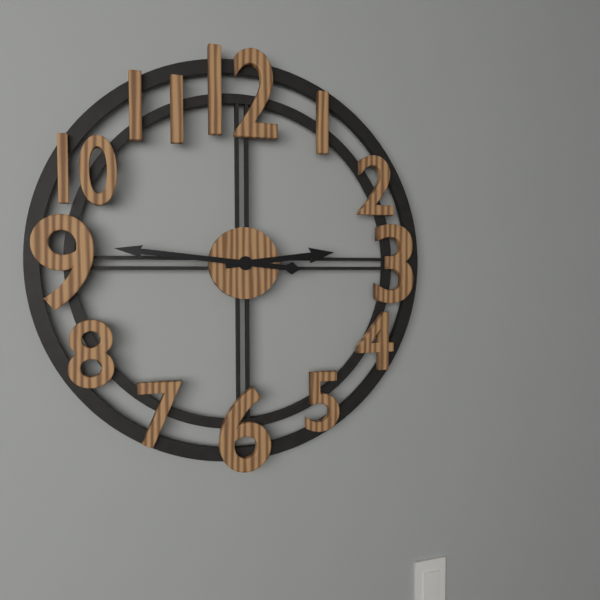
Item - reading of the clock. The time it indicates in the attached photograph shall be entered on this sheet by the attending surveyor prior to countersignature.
2:46
